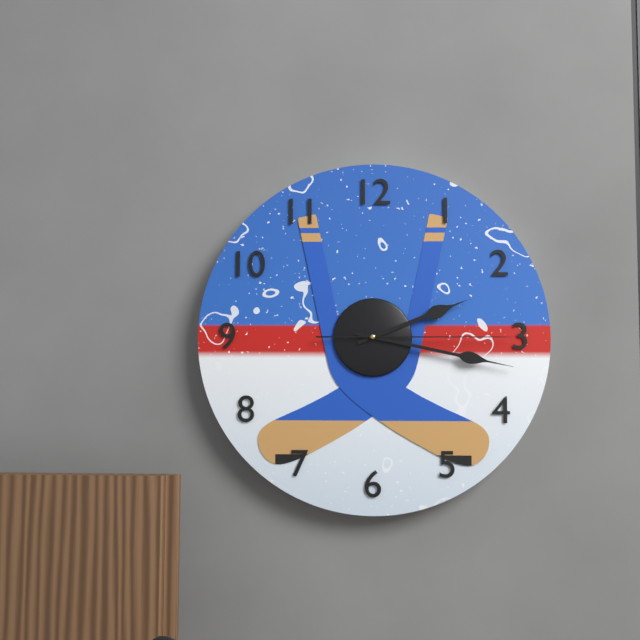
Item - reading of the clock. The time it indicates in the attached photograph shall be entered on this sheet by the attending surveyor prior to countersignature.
2:17:15
